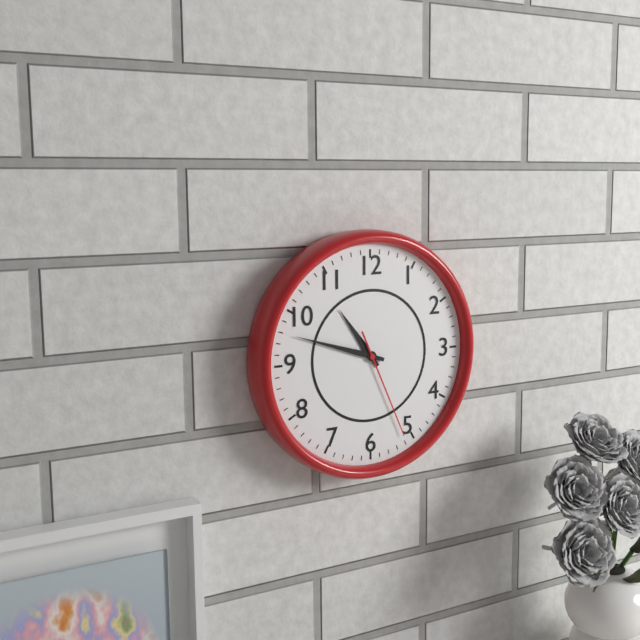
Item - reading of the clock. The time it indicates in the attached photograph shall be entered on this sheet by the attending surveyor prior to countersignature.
10:48:26
